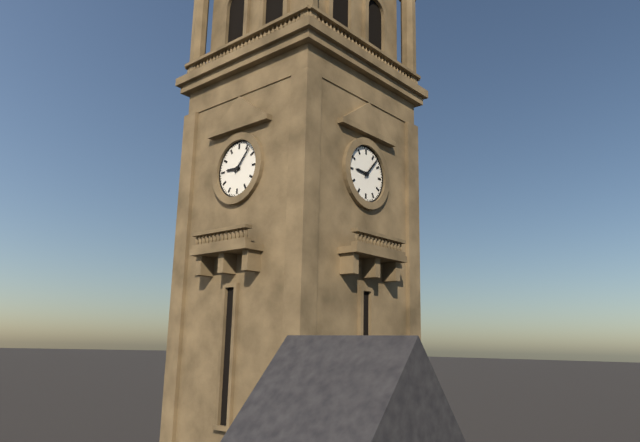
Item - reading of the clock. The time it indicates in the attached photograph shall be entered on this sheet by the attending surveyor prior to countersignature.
9:07
